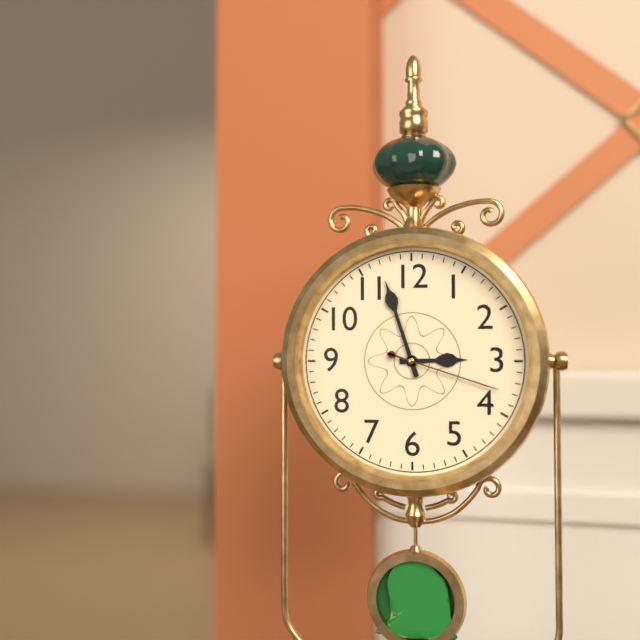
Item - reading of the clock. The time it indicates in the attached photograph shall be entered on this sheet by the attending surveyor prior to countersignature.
2:57:18
